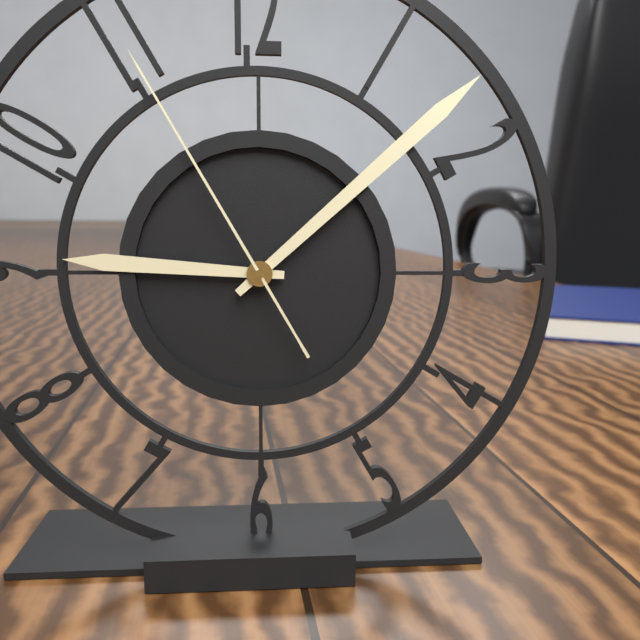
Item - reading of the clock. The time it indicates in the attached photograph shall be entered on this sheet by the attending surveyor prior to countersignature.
9:08:55
